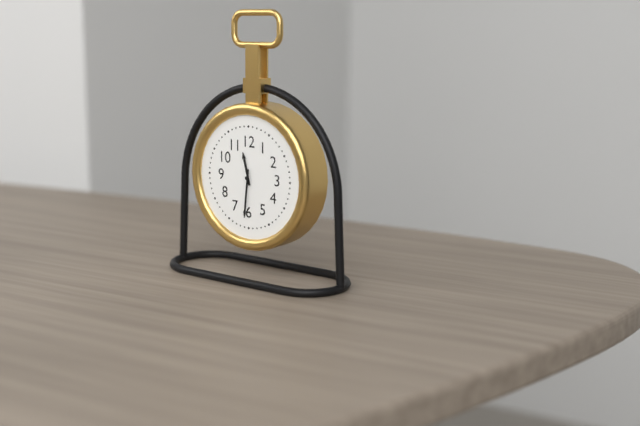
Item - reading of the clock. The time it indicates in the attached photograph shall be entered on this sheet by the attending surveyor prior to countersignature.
11:31
